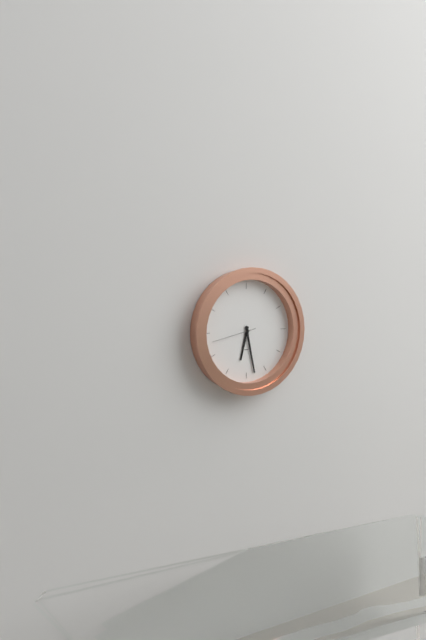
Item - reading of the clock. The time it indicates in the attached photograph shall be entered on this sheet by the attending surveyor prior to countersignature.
6:28
